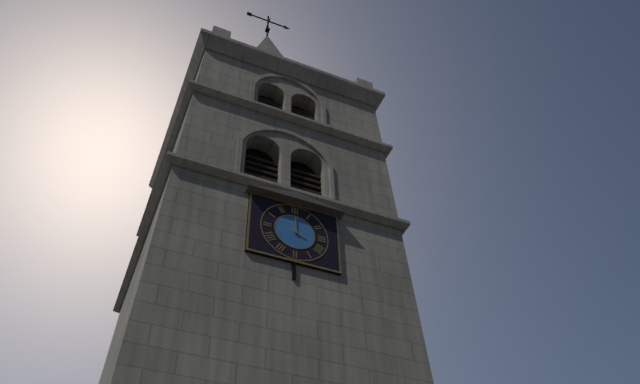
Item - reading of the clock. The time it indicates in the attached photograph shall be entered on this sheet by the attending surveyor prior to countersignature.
4:00
